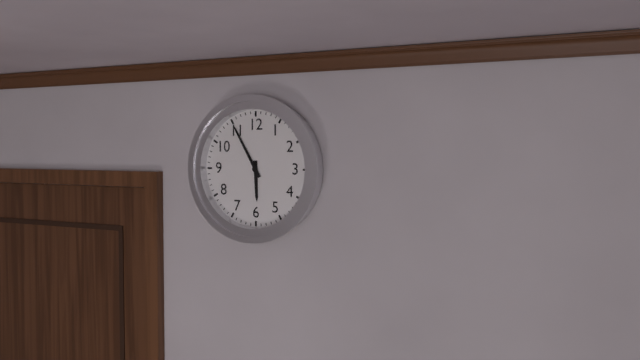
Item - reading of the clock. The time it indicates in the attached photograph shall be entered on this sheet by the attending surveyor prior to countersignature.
5:55
